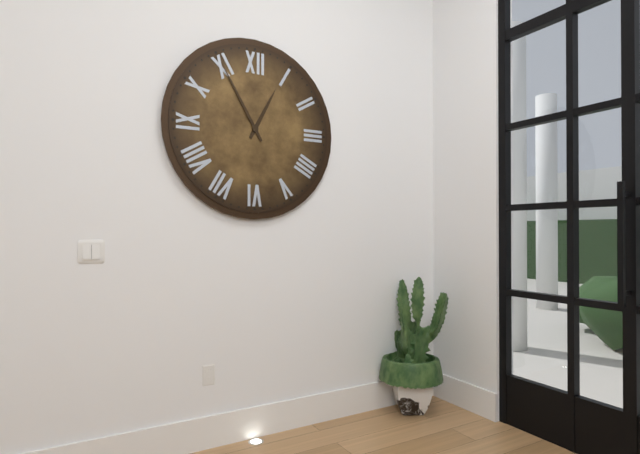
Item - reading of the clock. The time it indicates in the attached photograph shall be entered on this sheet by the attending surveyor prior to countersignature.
12:55
